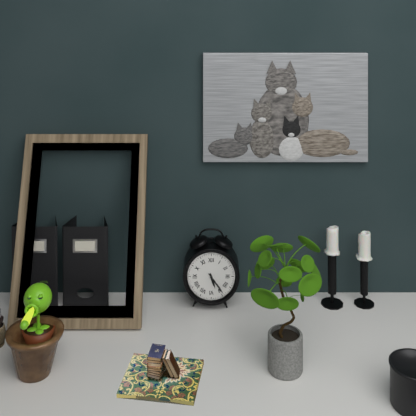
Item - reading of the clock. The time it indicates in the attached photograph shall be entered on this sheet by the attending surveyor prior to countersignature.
5:24
